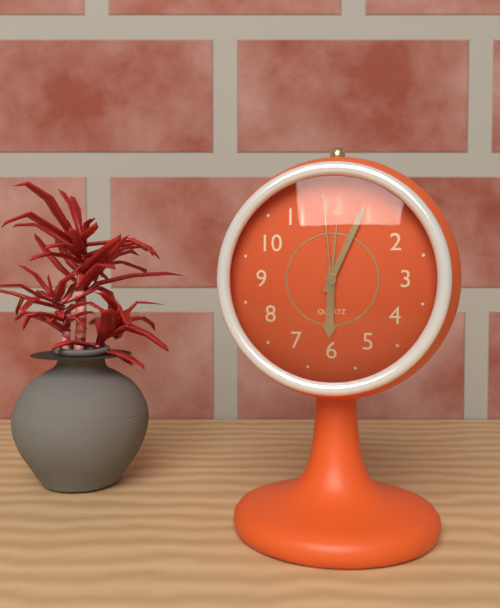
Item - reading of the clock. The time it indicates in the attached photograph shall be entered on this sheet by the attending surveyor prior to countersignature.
6:04:59
